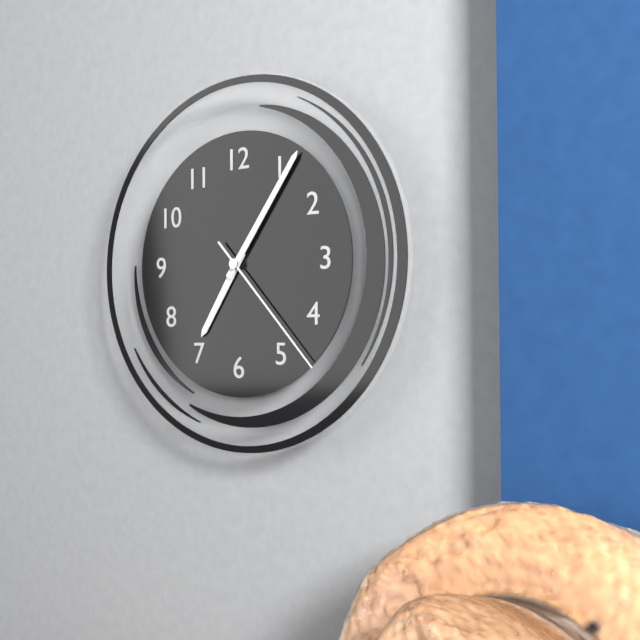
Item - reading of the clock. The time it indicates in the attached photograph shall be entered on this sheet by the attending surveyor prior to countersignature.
7:06:23
